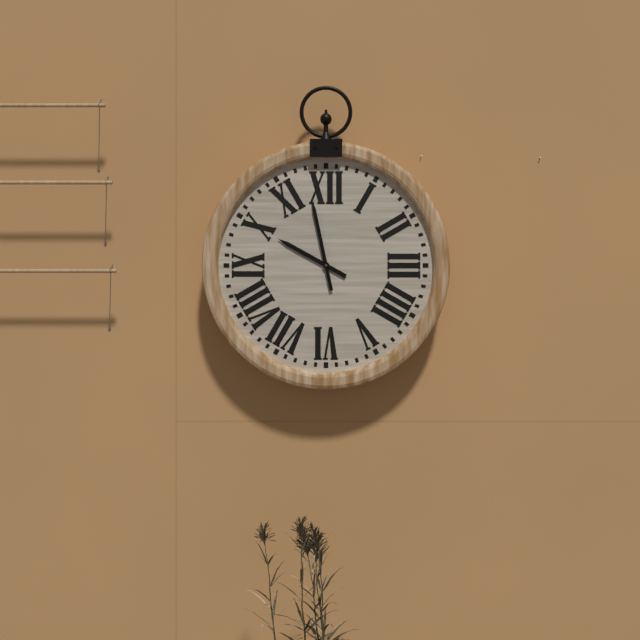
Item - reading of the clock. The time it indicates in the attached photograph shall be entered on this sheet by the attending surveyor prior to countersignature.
9:58
